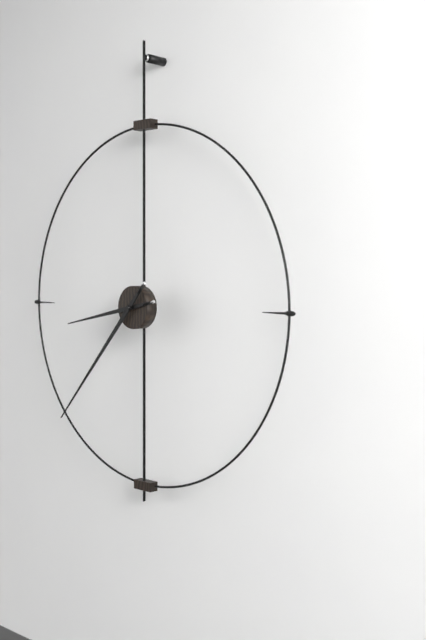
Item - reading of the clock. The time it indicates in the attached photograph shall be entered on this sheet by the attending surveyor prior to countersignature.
8:37
